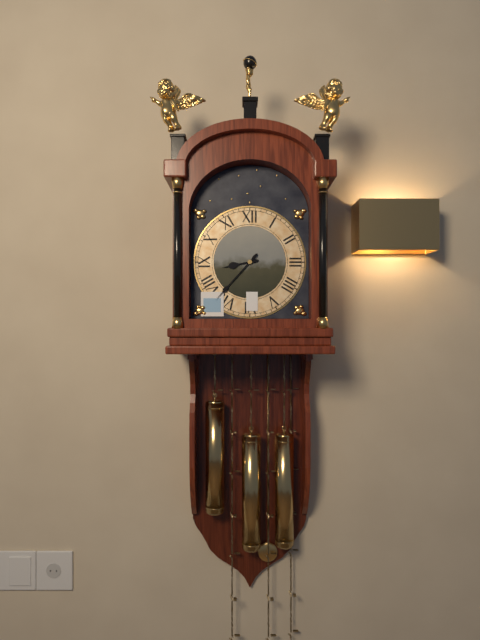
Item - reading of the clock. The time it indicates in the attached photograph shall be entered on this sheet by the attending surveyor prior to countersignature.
8:37
